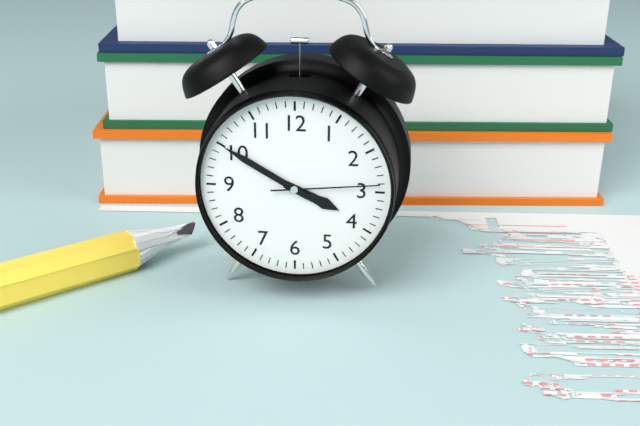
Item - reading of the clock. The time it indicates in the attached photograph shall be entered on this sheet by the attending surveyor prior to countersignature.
3:50:14
